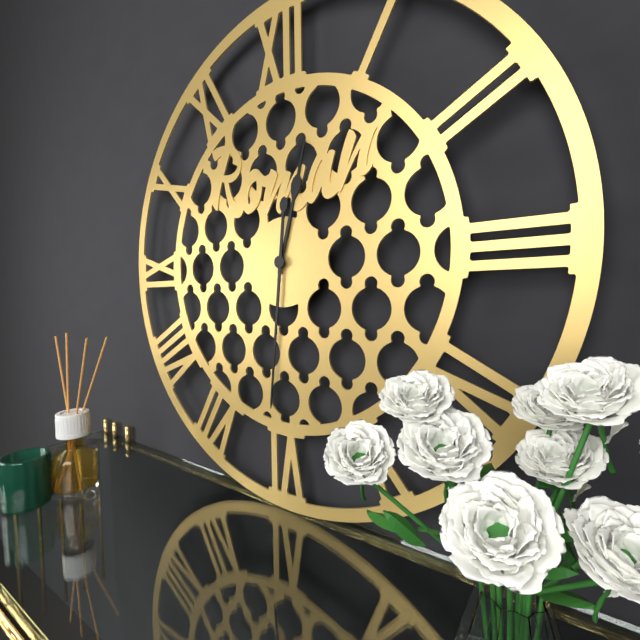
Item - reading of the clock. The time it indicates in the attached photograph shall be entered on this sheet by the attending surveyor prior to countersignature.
12:31
